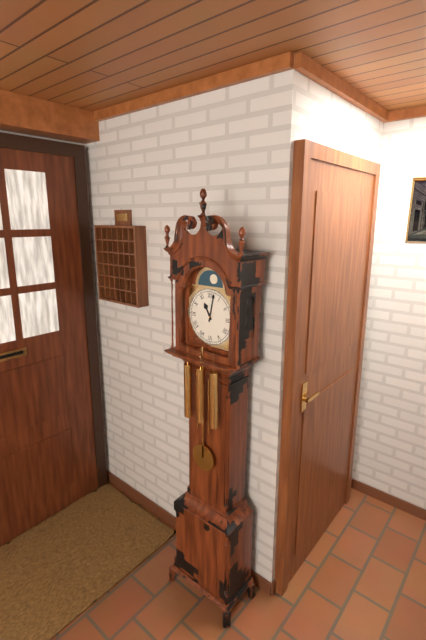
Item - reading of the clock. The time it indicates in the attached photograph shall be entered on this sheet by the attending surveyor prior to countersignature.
11:02
